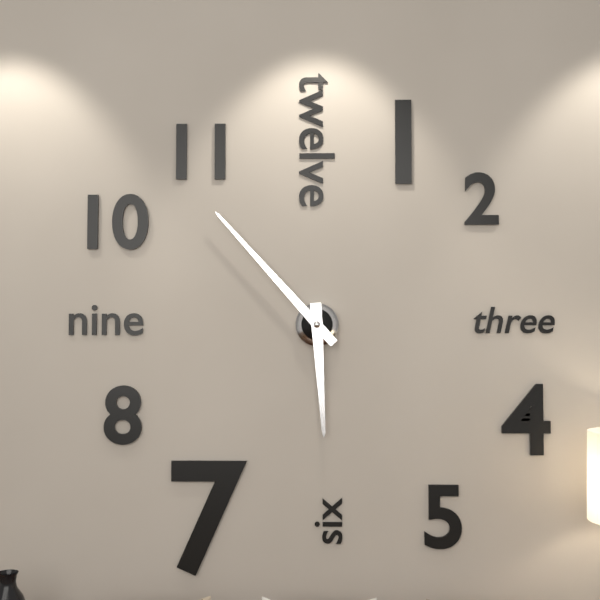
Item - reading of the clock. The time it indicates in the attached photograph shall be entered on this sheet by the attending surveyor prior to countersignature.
5:53
